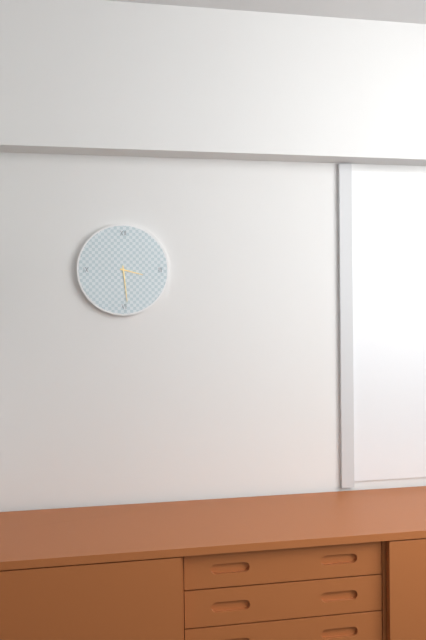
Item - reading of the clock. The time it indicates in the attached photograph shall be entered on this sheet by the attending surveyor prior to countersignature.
3:29
